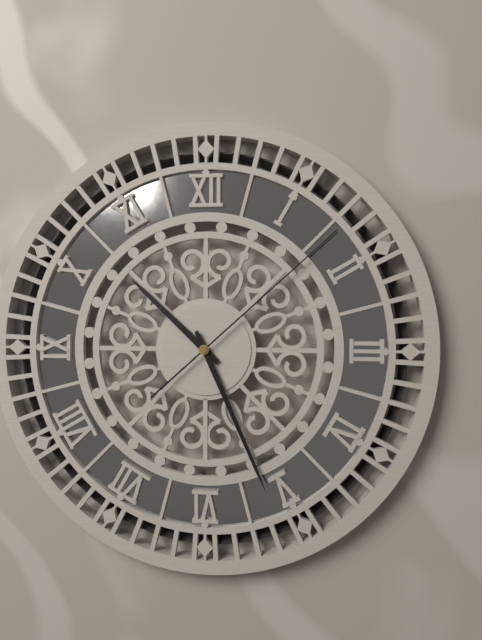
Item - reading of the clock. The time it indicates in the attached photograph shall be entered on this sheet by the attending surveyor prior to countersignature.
10:26:08
